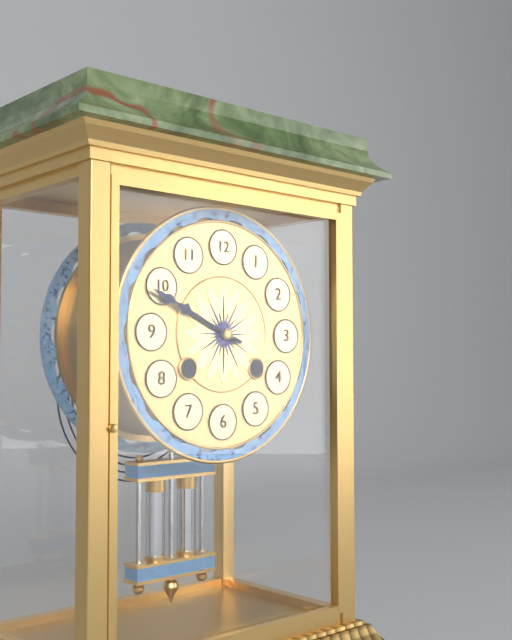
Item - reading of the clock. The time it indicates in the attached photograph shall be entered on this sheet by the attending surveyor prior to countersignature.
9:49
